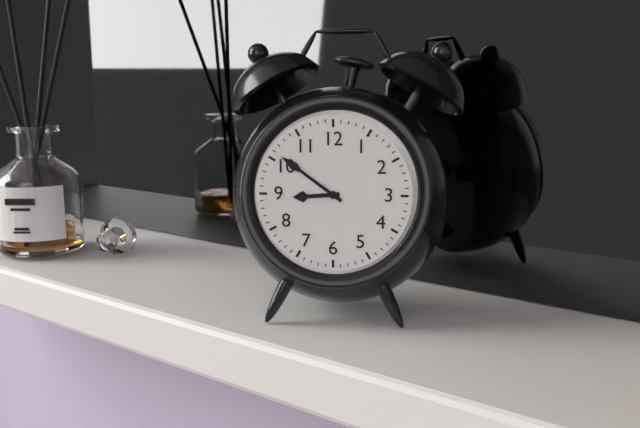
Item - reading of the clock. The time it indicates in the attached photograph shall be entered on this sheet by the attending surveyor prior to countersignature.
8:51
